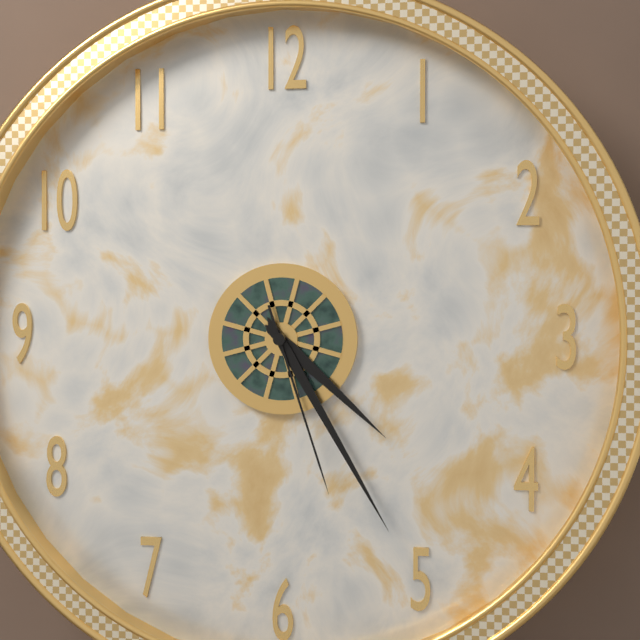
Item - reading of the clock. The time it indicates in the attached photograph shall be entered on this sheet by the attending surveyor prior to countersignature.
4:25:27
